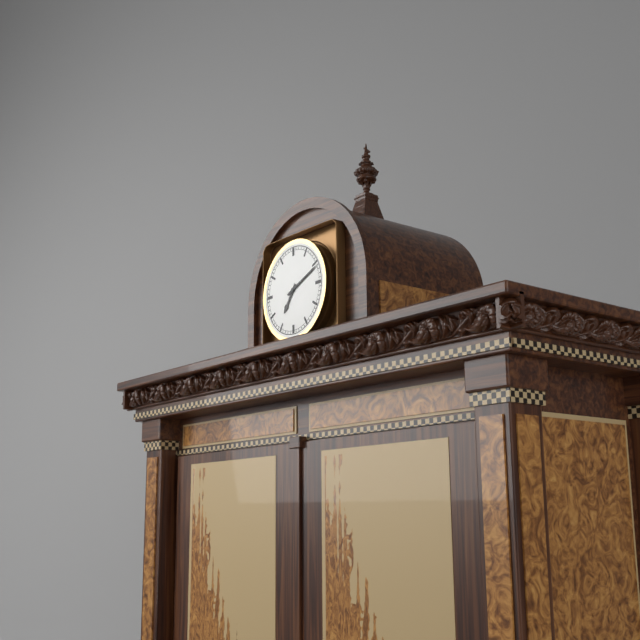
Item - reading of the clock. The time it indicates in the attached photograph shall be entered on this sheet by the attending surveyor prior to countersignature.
7:11
